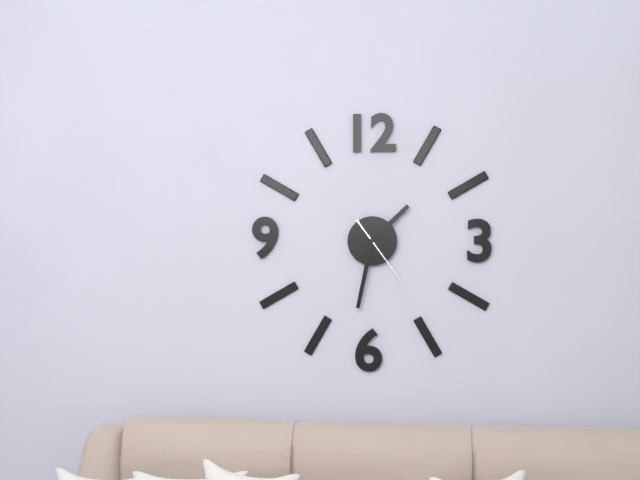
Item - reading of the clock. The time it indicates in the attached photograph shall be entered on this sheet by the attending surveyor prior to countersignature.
1:32:24
